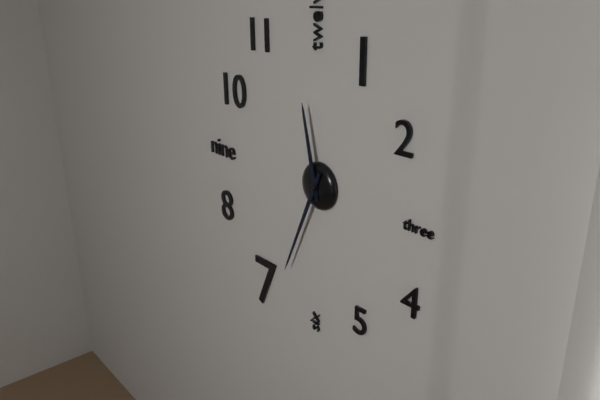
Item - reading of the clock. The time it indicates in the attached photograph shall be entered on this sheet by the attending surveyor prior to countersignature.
11:34
